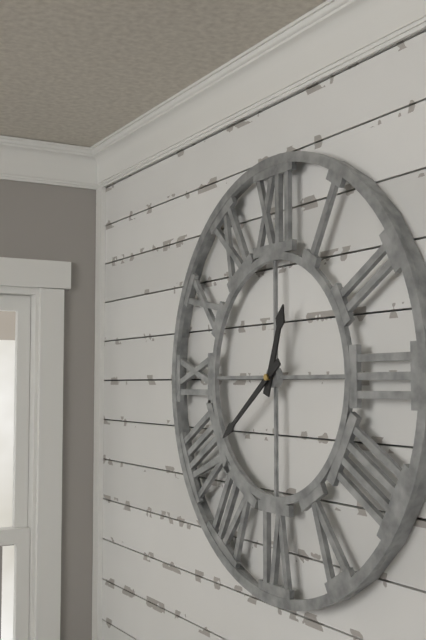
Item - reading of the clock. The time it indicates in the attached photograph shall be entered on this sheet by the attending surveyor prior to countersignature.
12:39
